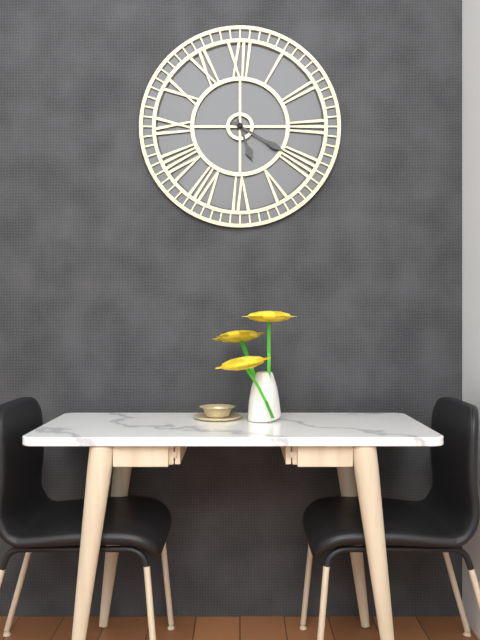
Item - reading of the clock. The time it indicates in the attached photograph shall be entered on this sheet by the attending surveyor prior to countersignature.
5:20
